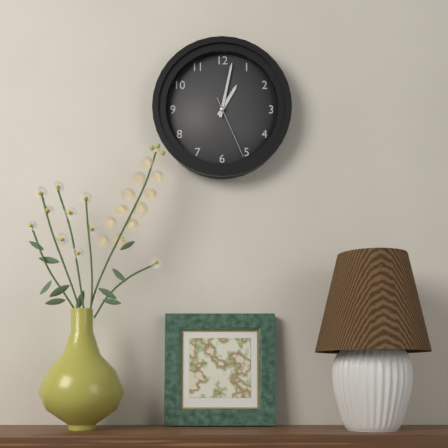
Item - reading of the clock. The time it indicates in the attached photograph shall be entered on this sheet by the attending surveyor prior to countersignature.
1:02:26
